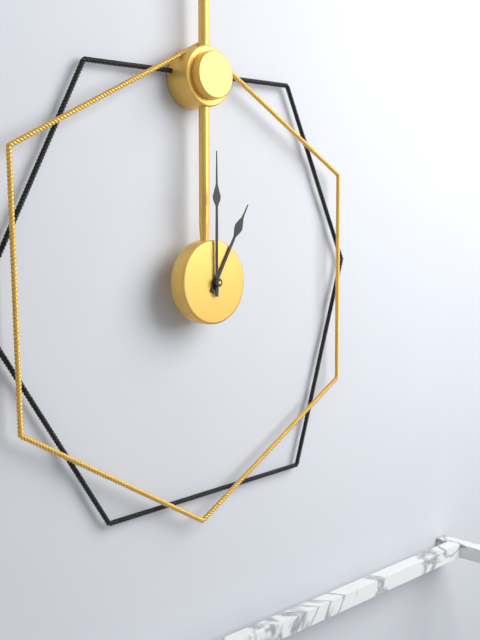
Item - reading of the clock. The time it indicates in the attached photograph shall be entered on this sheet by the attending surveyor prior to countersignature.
1:00
